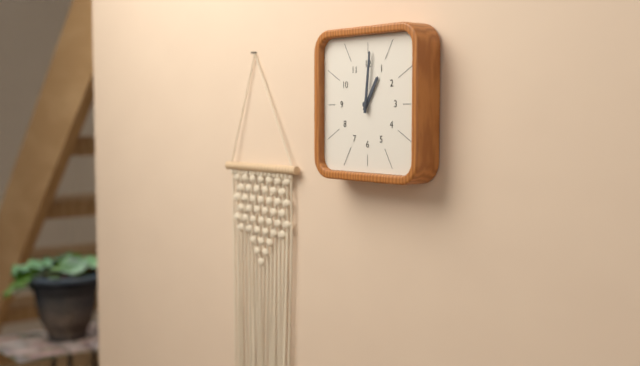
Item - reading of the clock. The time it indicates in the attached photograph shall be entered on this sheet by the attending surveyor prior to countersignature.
1:01
